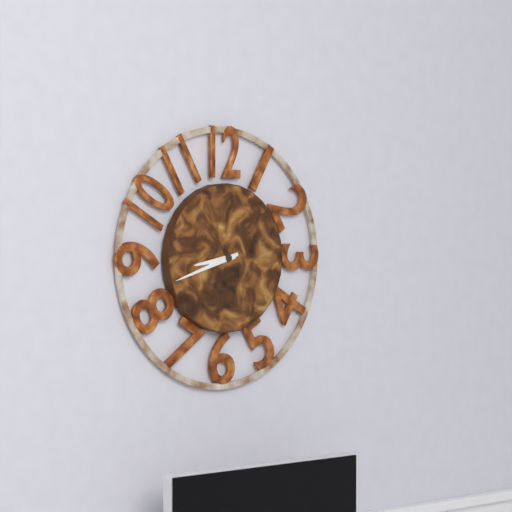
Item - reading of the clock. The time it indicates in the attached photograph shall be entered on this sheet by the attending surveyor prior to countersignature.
8:42
